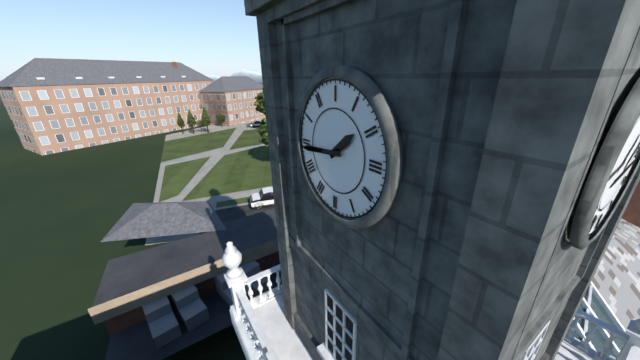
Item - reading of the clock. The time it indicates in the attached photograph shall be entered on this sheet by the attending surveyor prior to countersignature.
1:44
